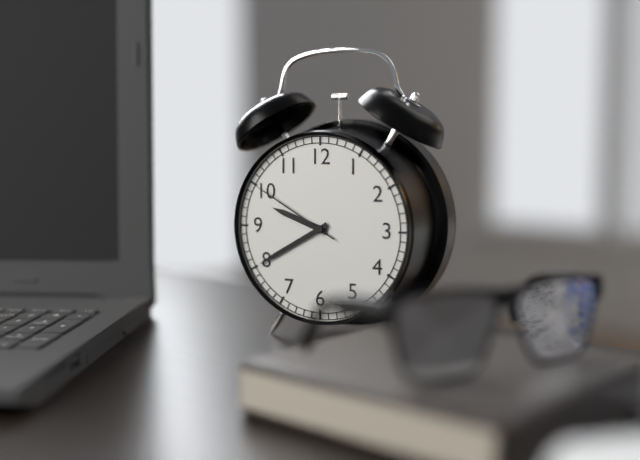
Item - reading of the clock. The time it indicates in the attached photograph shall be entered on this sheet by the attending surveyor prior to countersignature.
9:40:50
